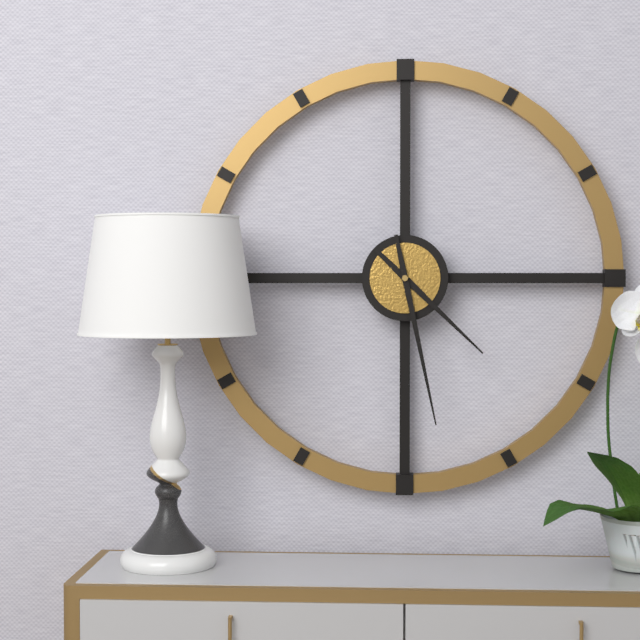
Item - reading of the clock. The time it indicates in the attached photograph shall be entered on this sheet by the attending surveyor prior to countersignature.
4:28
